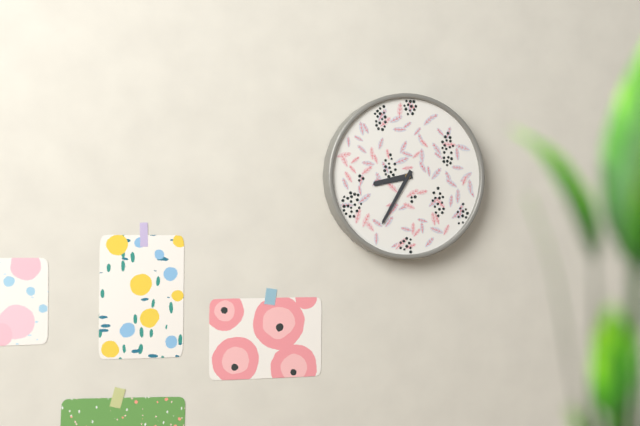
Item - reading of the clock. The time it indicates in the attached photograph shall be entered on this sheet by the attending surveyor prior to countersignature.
8:35
